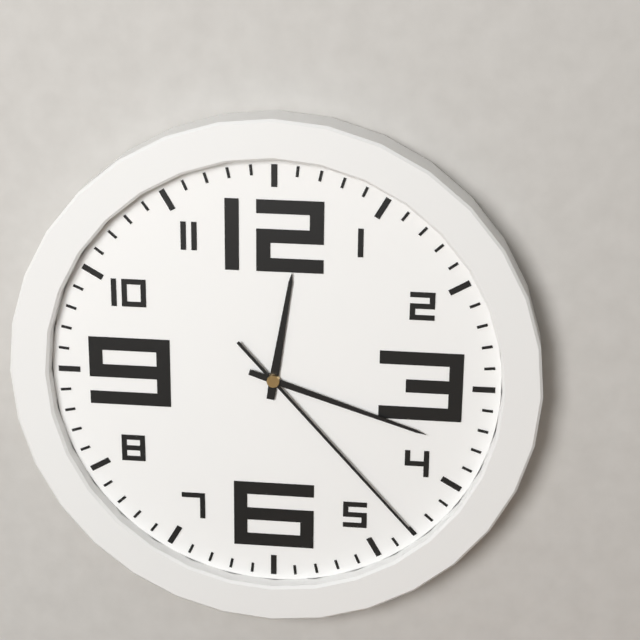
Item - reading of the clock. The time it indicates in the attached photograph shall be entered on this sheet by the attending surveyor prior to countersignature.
12:18:23
